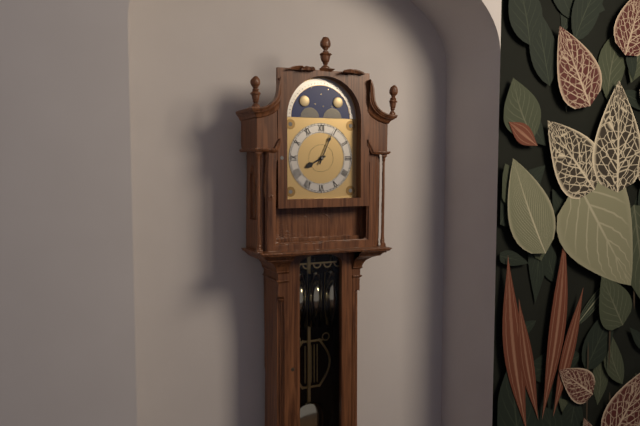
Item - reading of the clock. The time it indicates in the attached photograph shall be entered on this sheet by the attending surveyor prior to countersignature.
8:04
